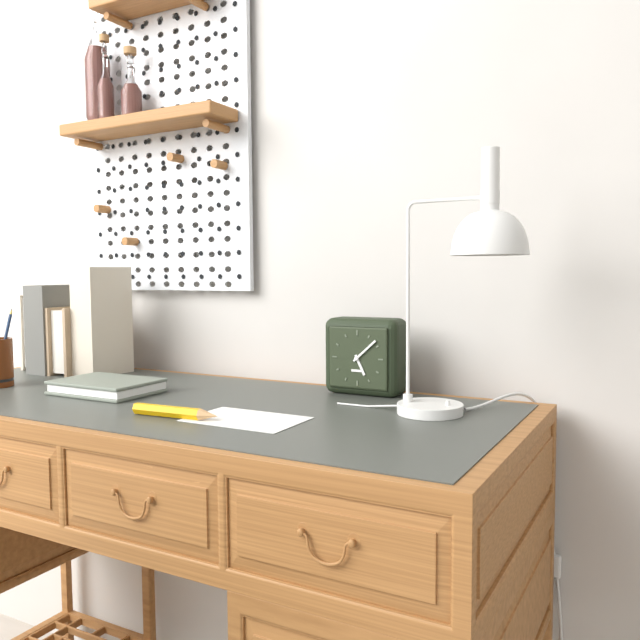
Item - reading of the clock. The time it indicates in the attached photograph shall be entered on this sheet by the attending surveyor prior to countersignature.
5:08
